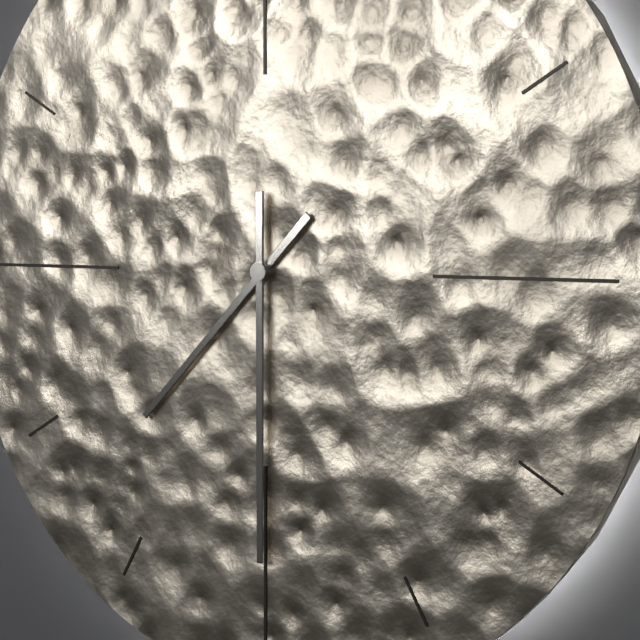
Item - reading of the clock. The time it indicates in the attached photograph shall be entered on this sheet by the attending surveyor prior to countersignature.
7:30
